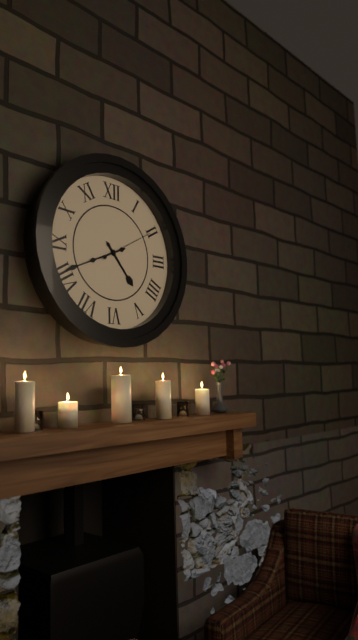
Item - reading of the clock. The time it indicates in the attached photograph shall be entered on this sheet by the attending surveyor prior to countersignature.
4:41:10
